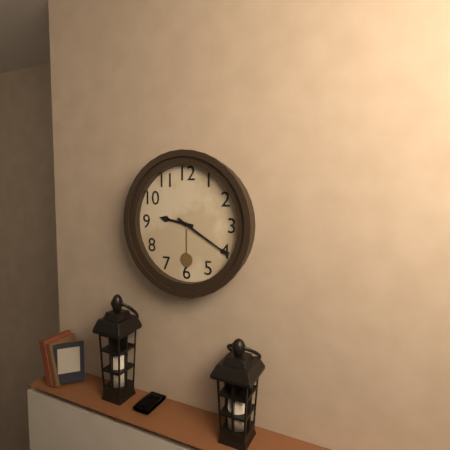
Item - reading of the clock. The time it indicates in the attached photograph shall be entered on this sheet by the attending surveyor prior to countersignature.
9:20
